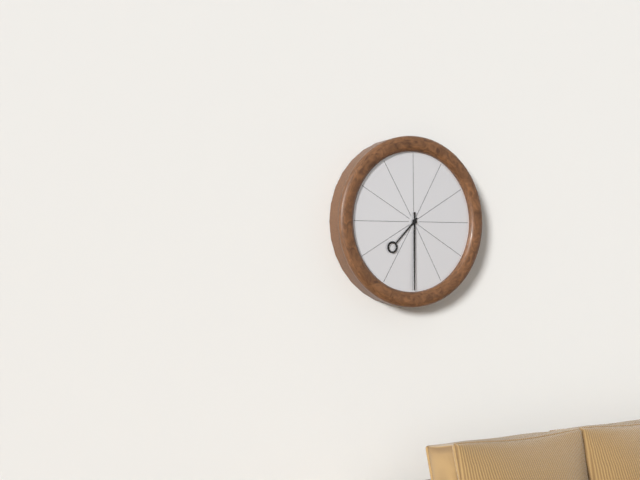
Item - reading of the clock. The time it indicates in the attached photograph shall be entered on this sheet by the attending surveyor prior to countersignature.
7:30
